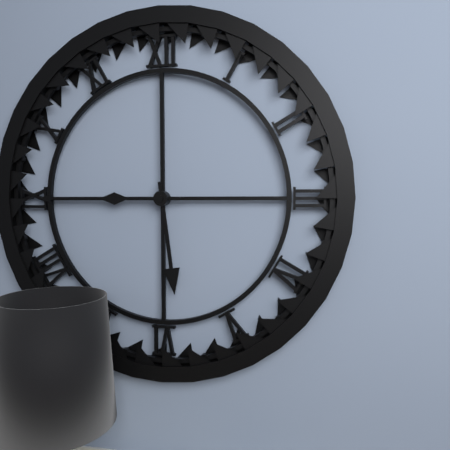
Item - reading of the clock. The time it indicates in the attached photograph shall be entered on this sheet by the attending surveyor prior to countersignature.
5:45
